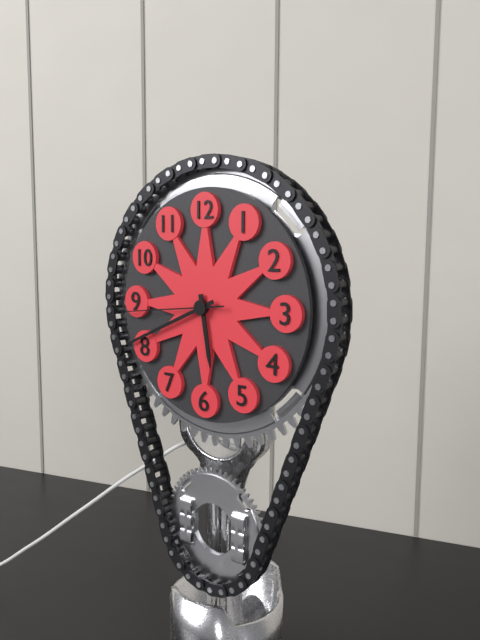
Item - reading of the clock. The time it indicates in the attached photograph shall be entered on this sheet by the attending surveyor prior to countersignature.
5:41:44
